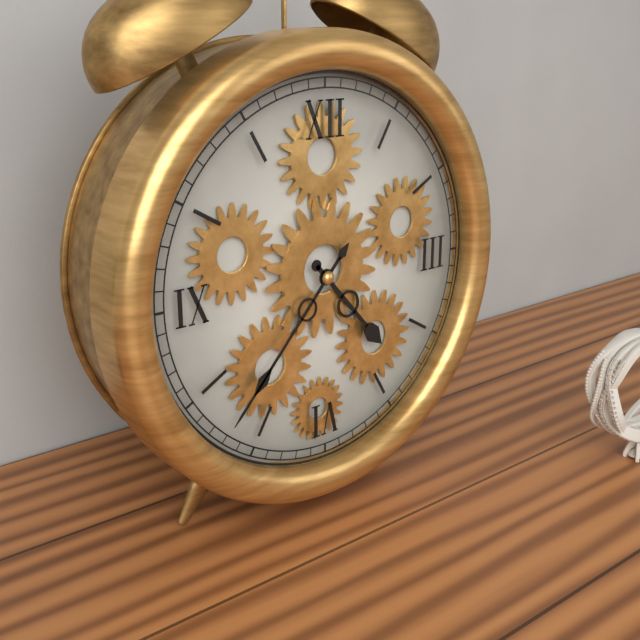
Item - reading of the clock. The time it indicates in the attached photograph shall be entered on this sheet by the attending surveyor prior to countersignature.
4:37
